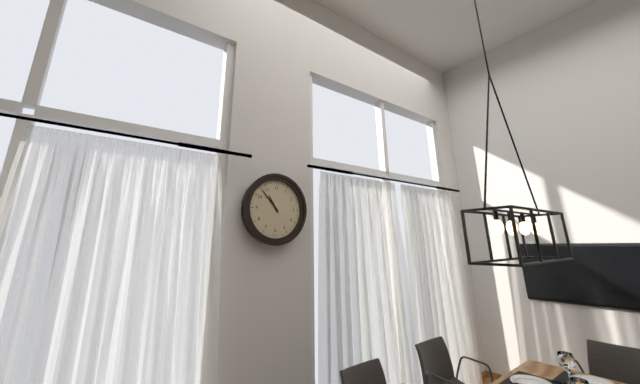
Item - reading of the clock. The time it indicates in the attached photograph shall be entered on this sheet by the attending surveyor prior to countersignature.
10:53
